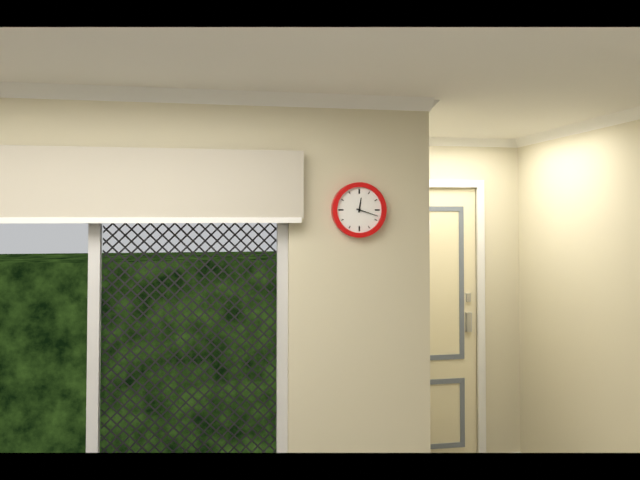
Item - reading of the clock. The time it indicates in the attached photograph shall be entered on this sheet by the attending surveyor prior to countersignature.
12:18
